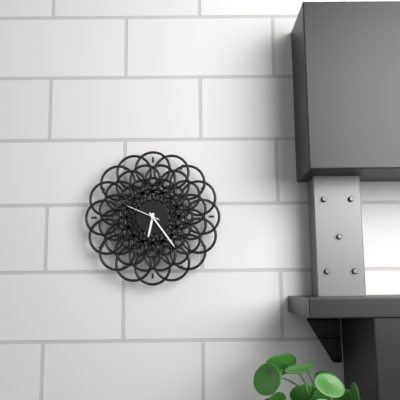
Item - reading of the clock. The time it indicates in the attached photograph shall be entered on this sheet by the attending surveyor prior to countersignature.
6:24
